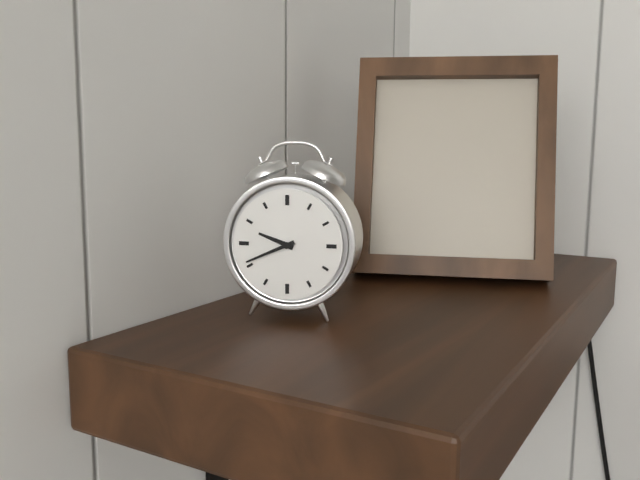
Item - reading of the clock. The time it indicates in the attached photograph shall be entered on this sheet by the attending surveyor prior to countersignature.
9:41
